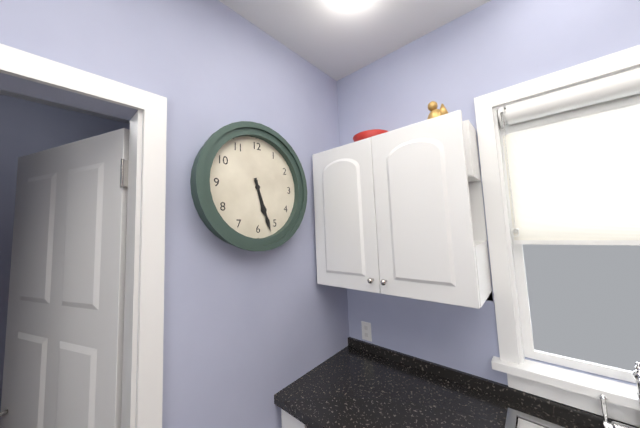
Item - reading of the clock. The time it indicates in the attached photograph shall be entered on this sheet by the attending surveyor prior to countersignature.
5:27
